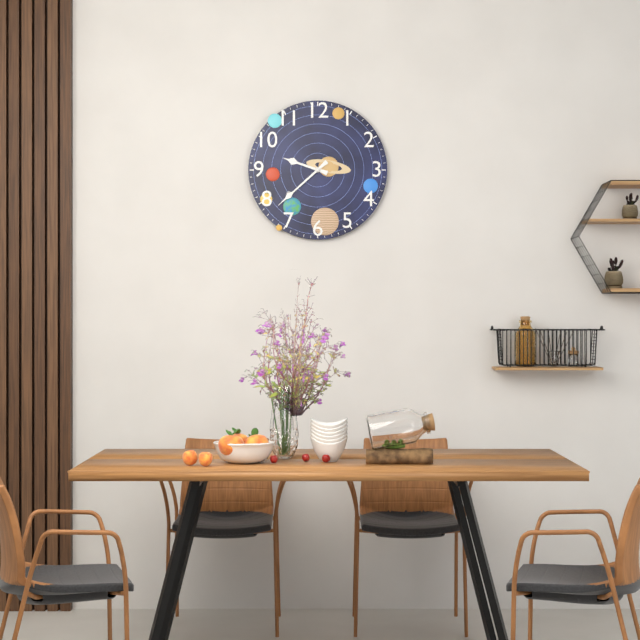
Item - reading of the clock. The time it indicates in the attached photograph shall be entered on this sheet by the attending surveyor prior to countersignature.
9:38
